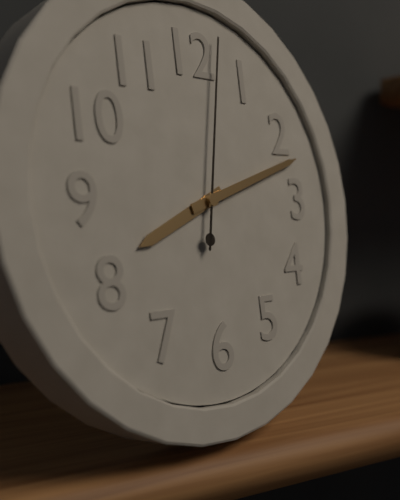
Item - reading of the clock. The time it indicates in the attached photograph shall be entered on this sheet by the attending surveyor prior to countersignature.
8:12:02
